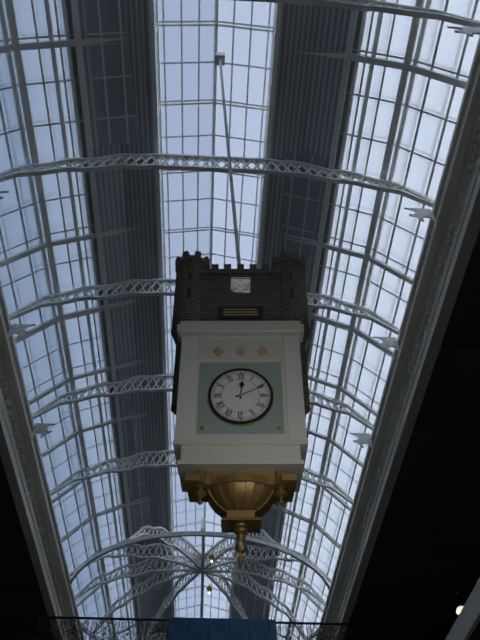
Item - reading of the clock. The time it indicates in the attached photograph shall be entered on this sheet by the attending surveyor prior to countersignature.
12:11
